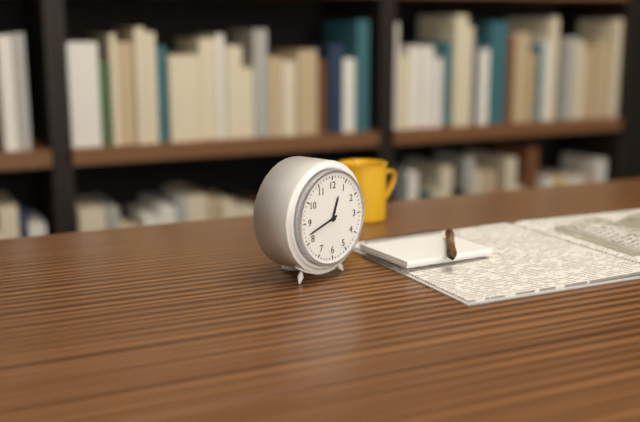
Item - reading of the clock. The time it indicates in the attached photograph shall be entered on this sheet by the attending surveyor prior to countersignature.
12:42
